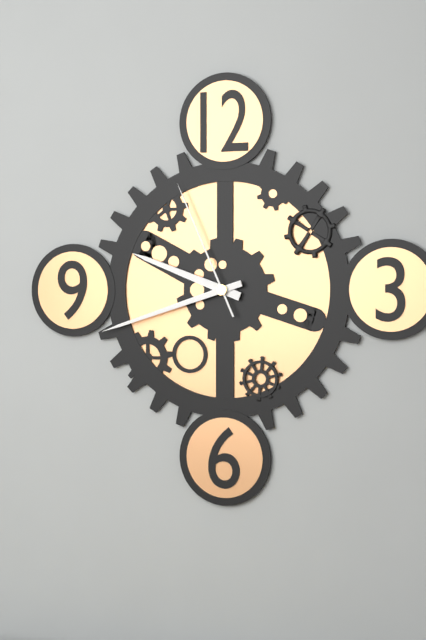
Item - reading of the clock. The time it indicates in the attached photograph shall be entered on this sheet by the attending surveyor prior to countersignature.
9:42:56
